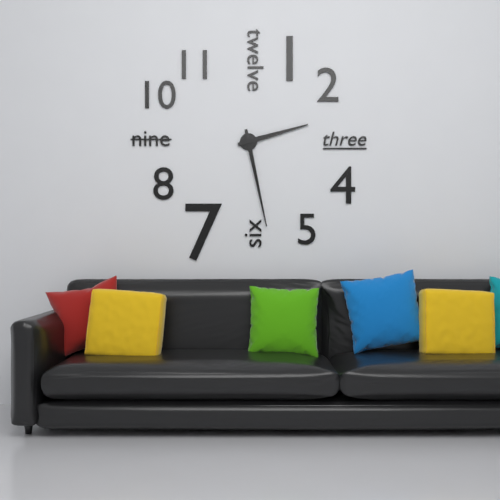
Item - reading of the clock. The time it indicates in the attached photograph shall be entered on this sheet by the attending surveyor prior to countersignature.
2:28
